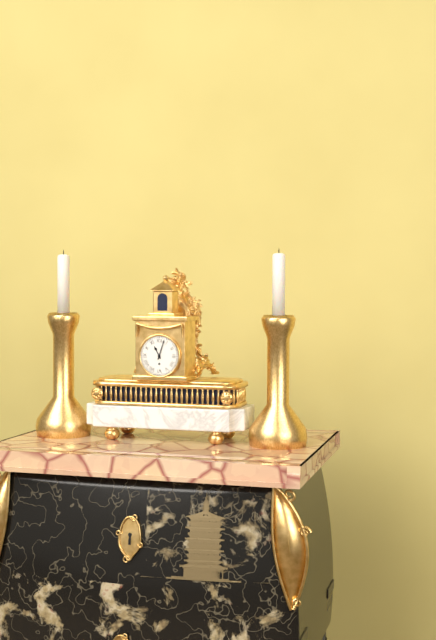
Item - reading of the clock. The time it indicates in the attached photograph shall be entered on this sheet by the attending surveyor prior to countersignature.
11:03
